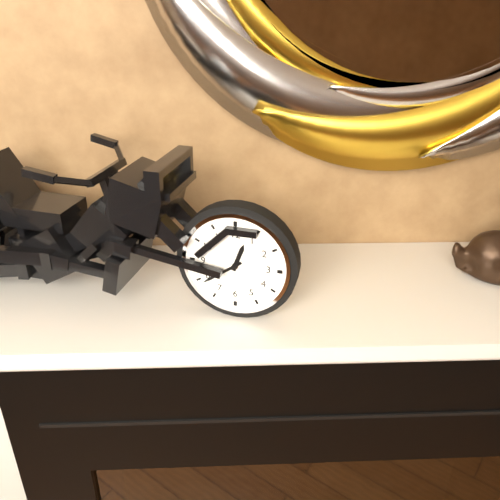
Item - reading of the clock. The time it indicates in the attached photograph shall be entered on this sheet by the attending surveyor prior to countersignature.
12:39
